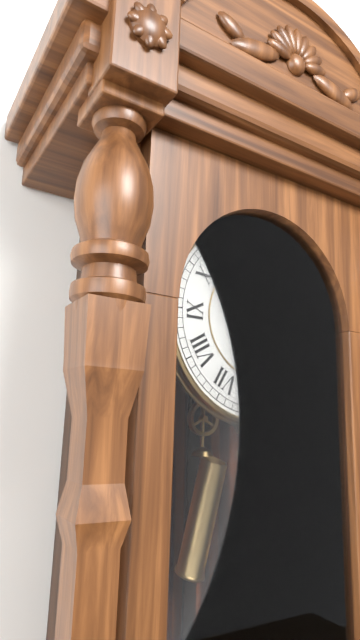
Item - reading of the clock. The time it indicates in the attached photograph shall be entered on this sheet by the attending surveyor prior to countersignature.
5:04
